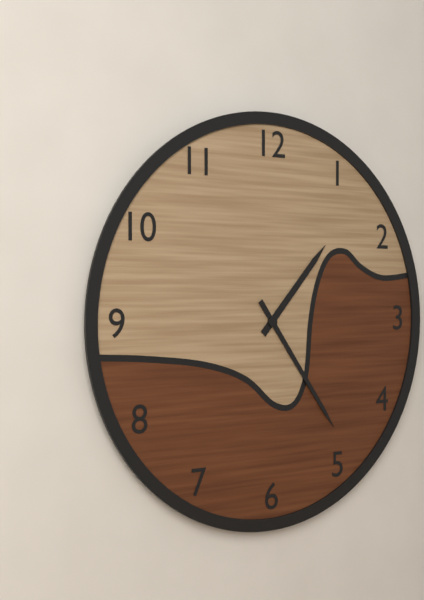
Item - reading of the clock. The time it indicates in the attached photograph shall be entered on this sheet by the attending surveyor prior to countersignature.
1:24
